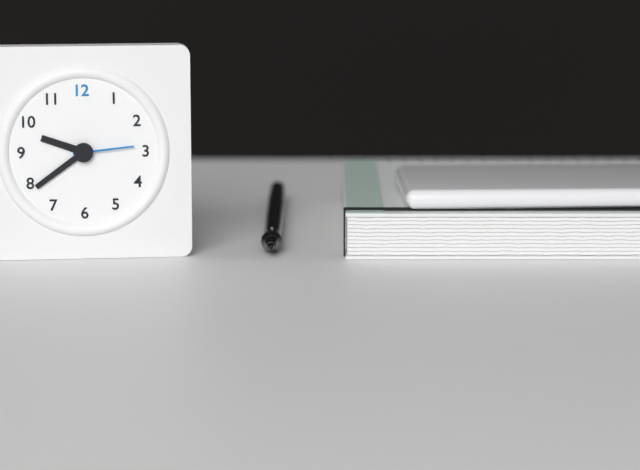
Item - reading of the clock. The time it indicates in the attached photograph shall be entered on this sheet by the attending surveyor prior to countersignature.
9:39:14
